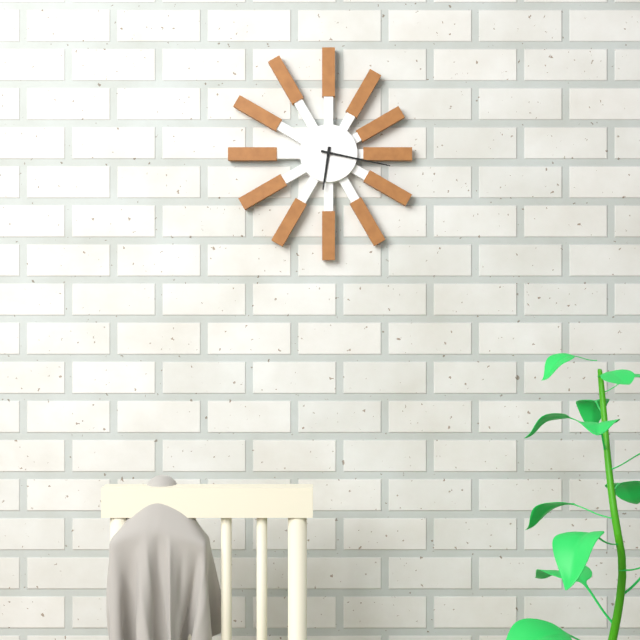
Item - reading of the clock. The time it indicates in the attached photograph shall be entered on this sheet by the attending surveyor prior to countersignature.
6:17
